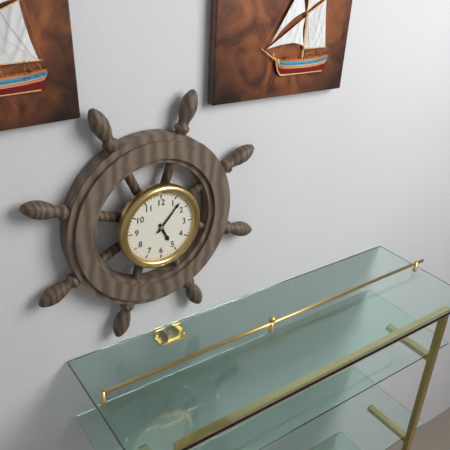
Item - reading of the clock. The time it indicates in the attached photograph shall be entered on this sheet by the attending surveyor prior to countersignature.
5:07
